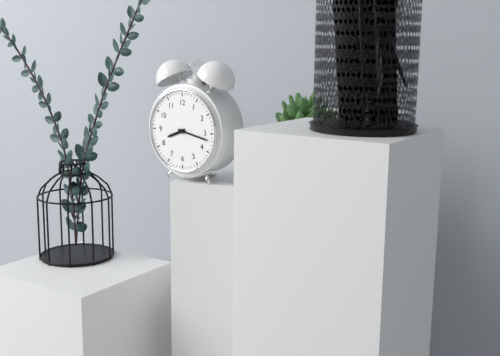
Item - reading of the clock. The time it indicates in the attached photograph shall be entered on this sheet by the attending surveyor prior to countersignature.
8:17
